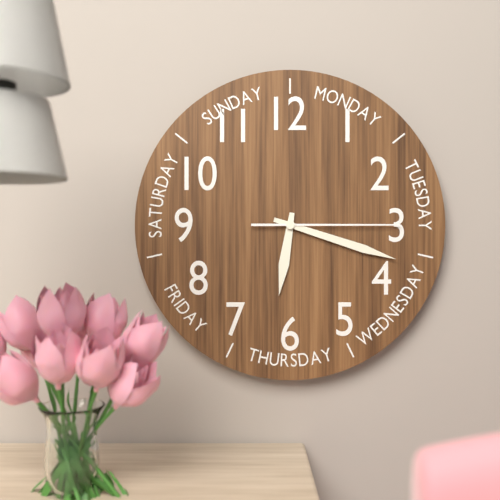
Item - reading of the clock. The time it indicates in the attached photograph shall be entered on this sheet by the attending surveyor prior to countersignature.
6:18:15
